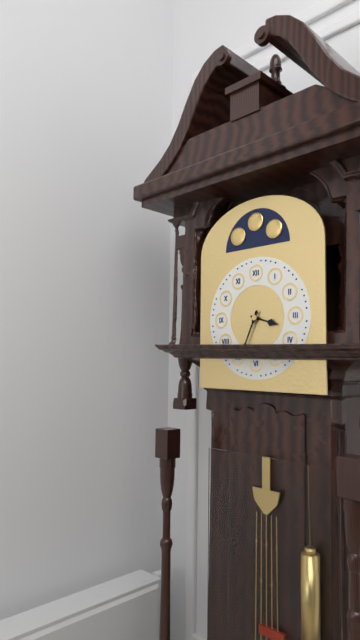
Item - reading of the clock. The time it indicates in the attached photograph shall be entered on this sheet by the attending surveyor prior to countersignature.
3:34
